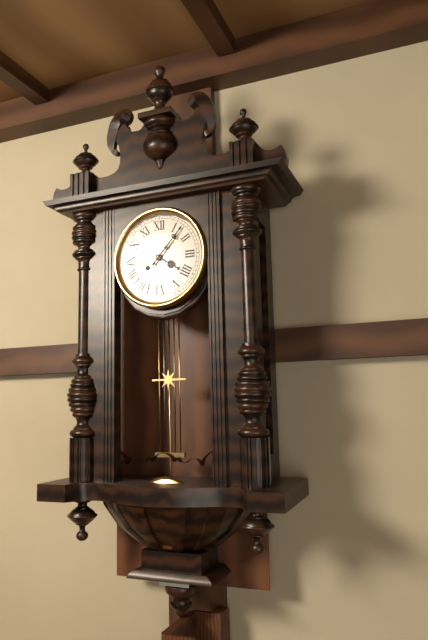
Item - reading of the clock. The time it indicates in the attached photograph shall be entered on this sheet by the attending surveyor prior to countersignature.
4:07
